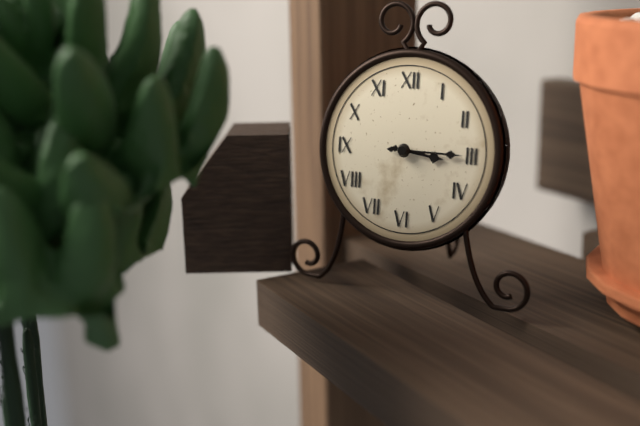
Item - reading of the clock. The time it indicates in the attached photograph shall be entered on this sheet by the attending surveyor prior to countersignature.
3:15
